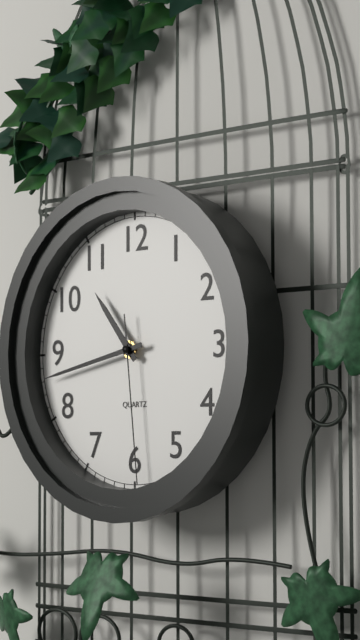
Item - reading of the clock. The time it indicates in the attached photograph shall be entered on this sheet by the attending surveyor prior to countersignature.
10:43:29
